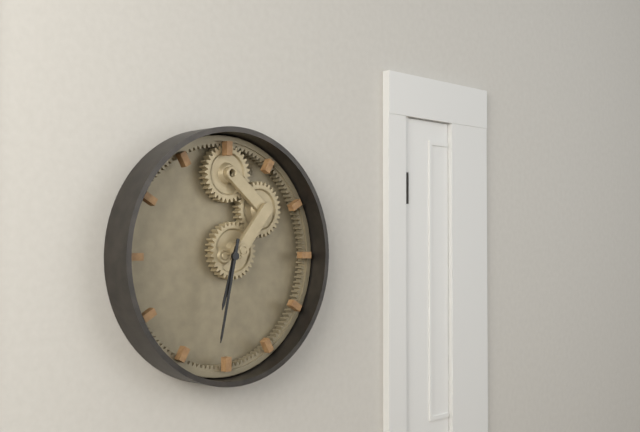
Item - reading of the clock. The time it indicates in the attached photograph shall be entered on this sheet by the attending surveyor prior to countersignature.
6:32
